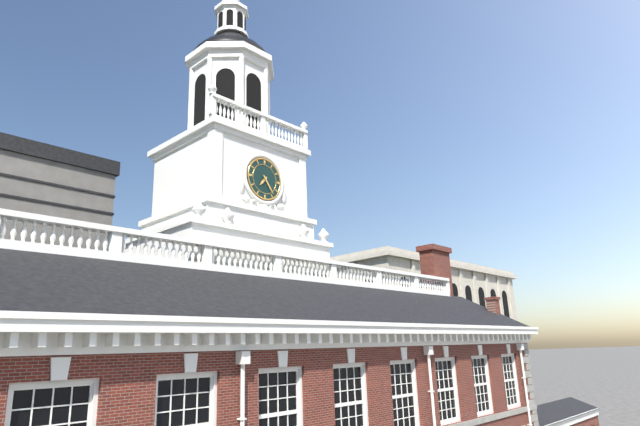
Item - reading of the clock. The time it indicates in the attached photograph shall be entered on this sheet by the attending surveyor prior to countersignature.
7:24
